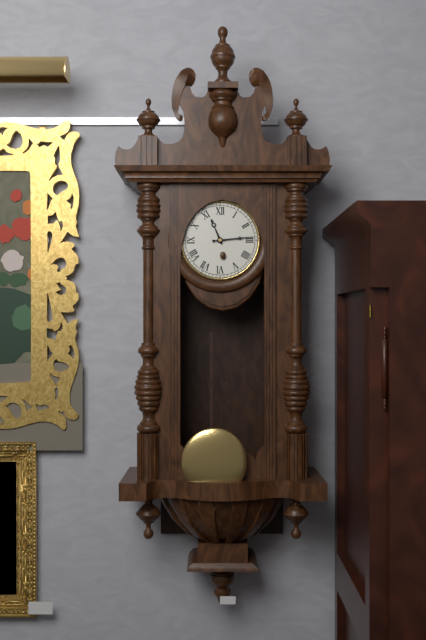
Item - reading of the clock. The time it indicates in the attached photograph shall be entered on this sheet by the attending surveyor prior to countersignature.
11:14
